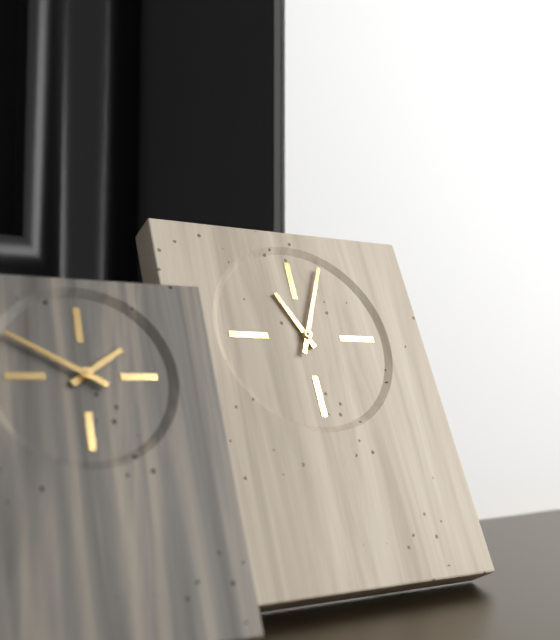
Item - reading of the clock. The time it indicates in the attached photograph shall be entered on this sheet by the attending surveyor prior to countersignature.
11:04
